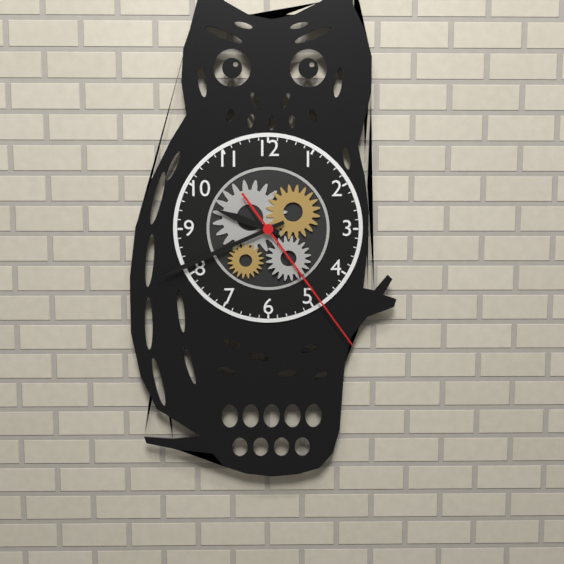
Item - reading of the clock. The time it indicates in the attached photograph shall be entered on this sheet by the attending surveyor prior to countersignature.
9:41:24
